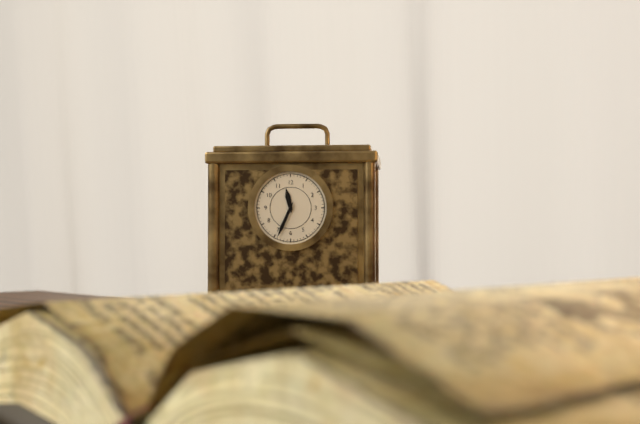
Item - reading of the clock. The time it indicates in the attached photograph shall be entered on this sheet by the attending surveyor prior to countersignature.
11:34
